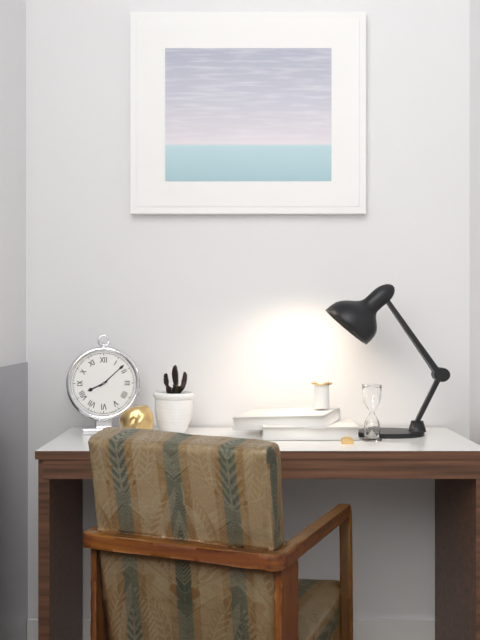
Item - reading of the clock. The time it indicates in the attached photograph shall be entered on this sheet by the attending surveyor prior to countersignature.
8:08
